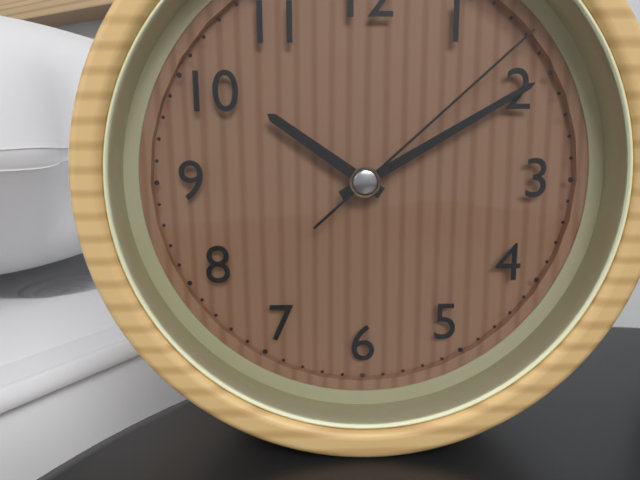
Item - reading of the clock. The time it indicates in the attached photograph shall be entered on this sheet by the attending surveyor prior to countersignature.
10:10:08
